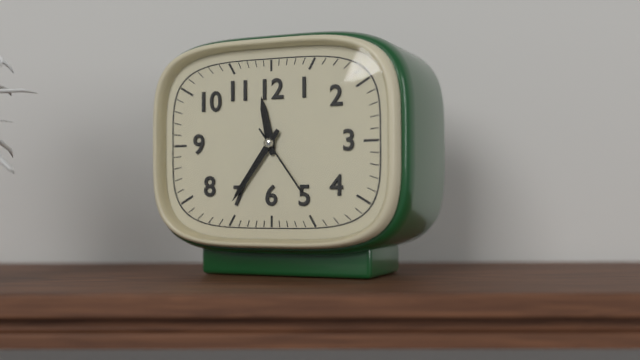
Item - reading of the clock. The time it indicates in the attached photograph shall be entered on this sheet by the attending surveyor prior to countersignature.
11:36:24
